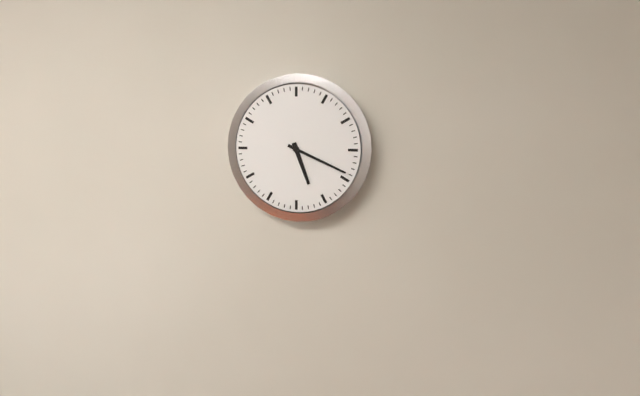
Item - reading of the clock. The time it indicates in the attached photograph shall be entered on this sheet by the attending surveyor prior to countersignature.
5:19
